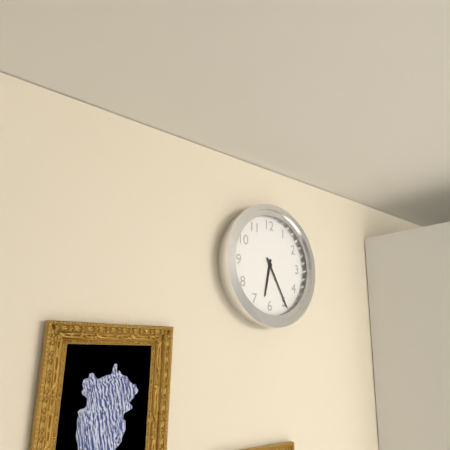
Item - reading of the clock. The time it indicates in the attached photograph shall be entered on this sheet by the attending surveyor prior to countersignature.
6:25
